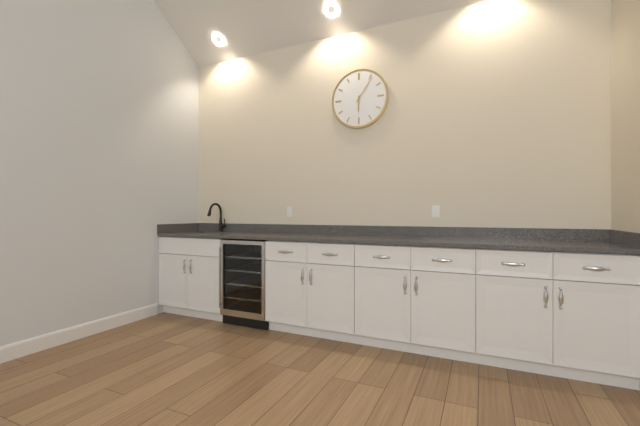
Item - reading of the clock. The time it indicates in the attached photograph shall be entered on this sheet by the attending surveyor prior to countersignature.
6:06
